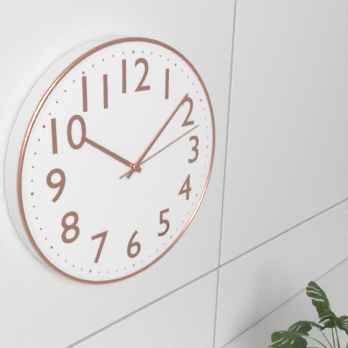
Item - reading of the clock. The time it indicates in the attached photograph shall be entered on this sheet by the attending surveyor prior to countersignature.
10:08:12
